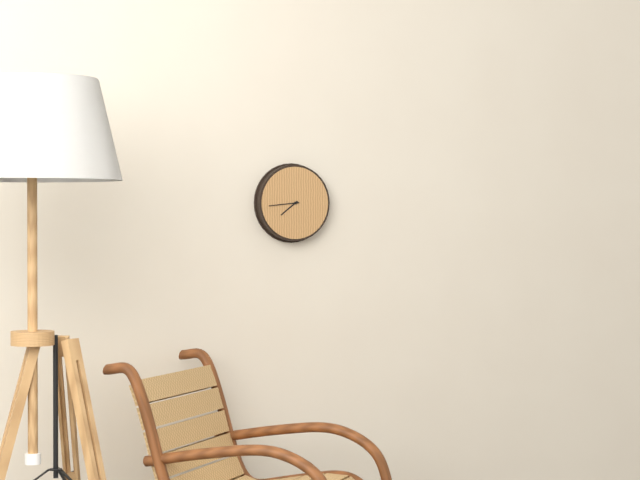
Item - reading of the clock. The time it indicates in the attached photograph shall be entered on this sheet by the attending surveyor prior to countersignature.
7:44
